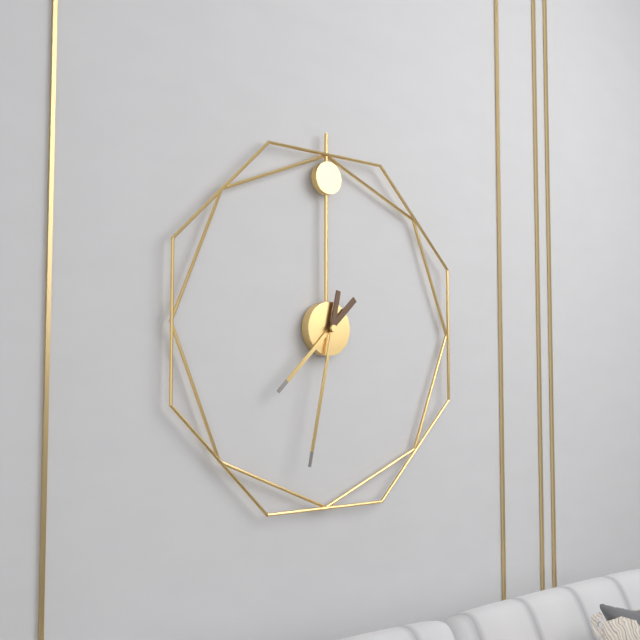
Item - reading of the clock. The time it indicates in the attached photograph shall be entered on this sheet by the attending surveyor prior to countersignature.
7:32
